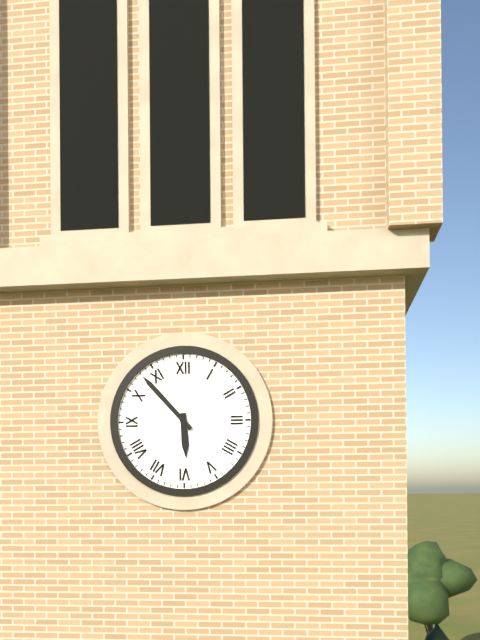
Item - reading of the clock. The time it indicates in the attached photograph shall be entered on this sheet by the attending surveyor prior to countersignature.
5:53
